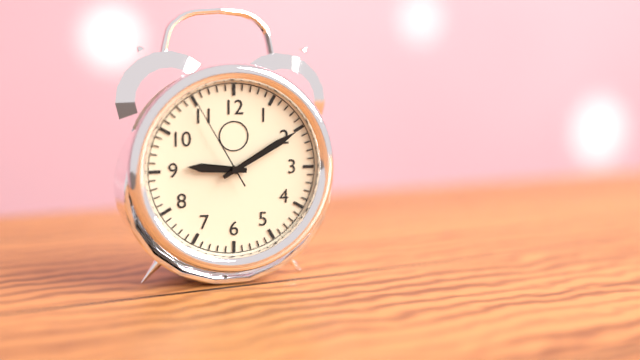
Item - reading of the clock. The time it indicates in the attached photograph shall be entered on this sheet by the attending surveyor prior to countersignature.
9:10:55
